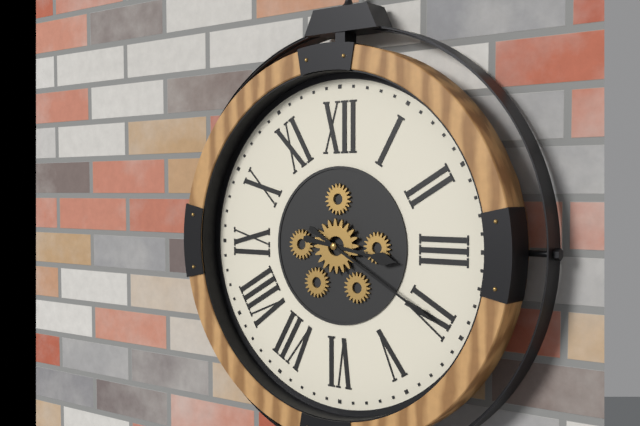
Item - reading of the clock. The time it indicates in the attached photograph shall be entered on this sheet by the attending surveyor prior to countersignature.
3:20
